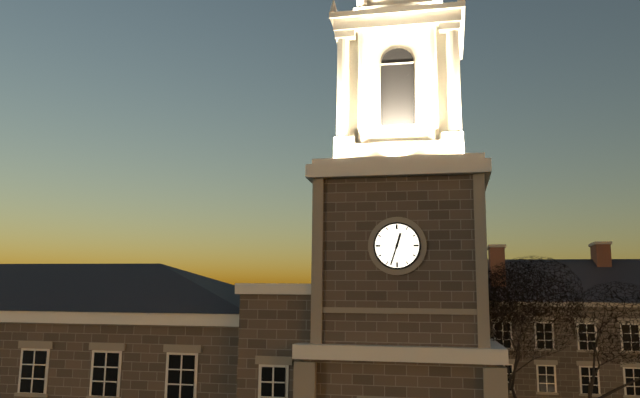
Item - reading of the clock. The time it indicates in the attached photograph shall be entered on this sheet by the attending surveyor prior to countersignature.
12:33
